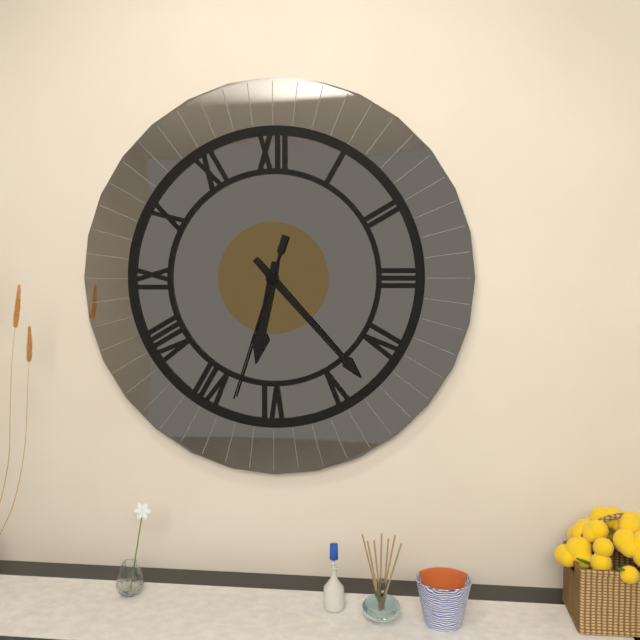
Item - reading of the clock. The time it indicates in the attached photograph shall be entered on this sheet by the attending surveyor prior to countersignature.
6:23:33
